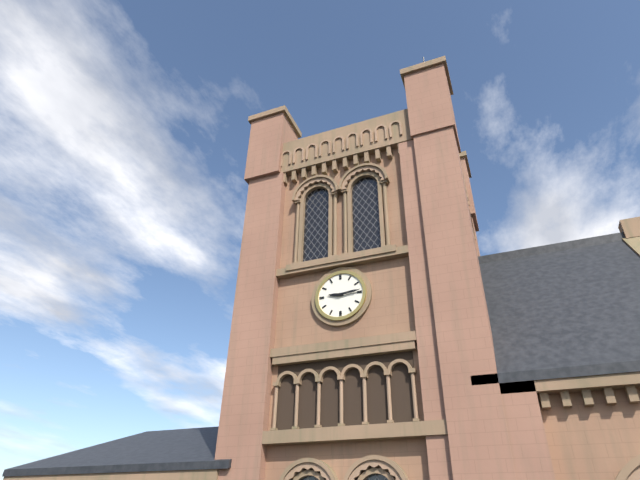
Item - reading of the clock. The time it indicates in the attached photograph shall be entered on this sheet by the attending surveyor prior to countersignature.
9:14
